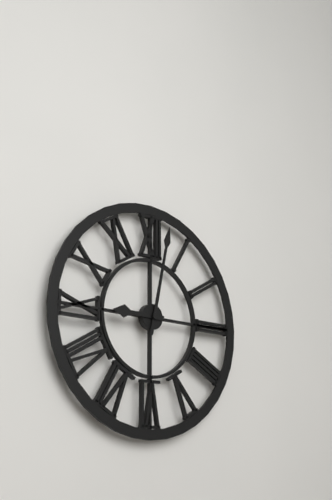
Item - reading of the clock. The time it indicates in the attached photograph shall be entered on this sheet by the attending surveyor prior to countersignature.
9:02
